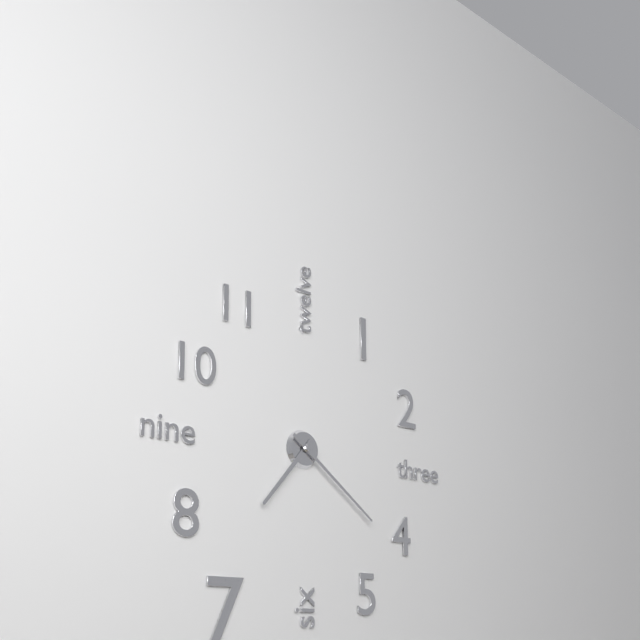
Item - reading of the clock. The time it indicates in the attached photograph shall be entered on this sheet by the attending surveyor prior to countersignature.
7:21
